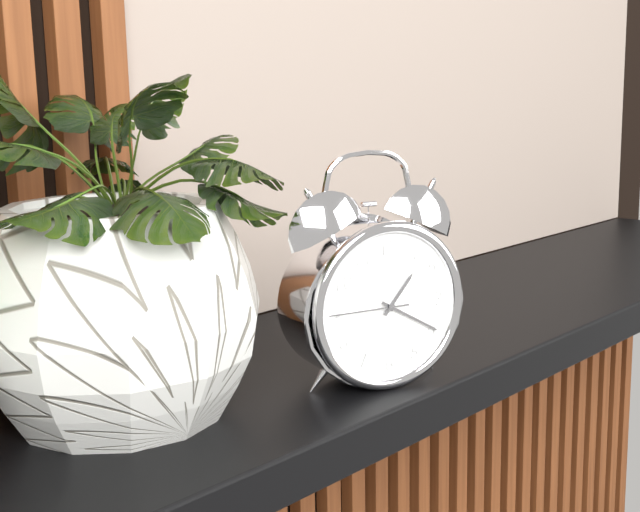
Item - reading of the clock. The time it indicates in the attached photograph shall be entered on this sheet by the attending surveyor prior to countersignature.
1:20:45
